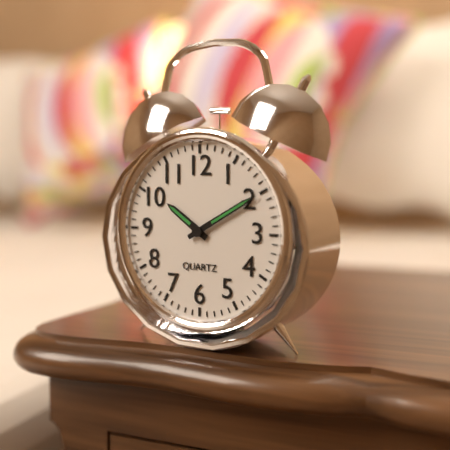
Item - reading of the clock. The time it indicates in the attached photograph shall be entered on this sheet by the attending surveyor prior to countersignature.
10:10
